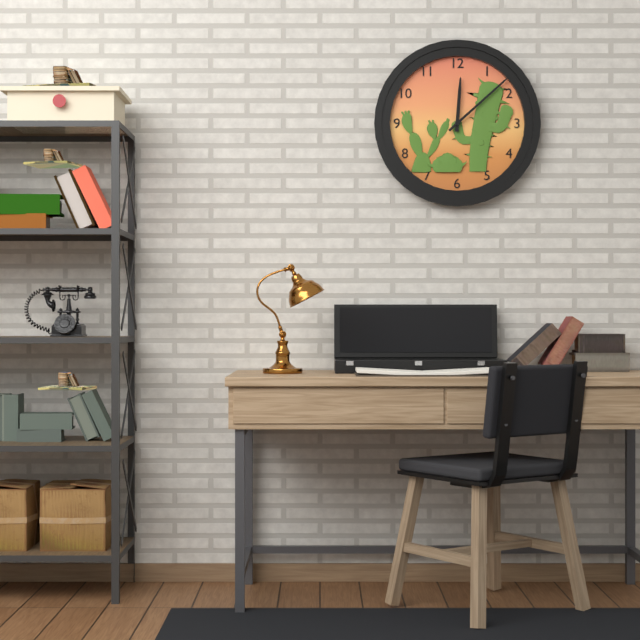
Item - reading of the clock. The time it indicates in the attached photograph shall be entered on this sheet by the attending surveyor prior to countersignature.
12:08
